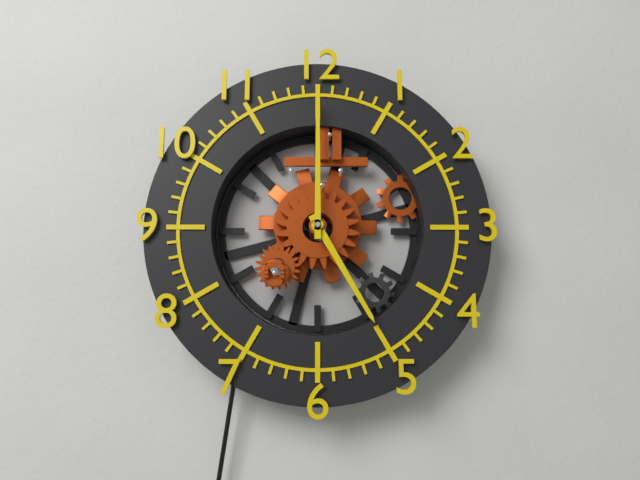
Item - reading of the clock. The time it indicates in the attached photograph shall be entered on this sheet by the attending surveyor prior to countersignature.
5:00
